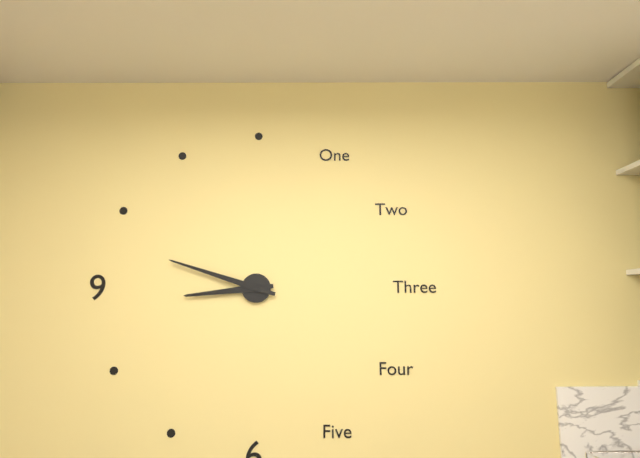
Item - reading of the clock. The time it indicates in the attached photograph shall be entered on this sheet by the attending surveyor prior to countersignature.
8:48
